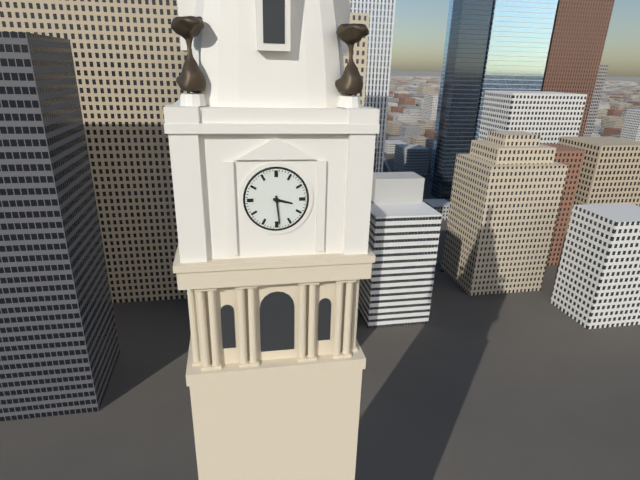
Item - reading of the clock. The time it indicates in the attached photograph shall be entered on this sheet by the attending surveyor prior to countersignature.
3:29
